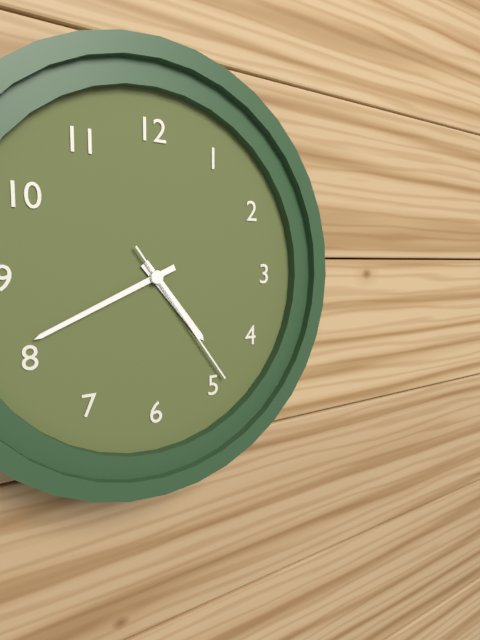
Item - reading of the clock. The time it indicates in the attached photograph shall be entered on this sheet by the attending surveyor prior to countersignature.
4:41:24
